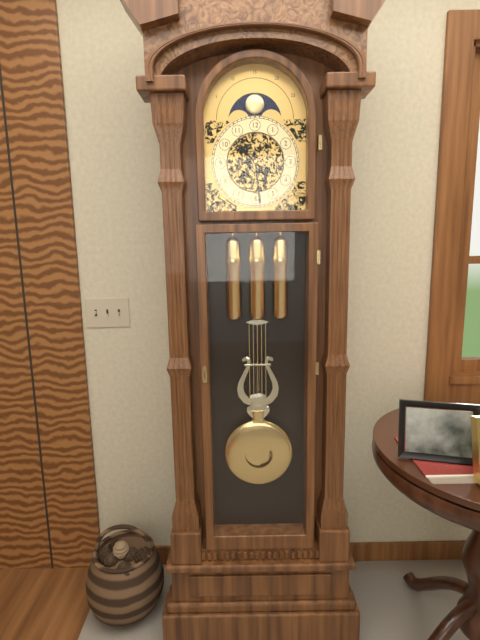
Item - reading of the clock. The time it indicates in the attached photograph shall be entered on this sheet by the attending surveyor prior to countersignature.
10:29
